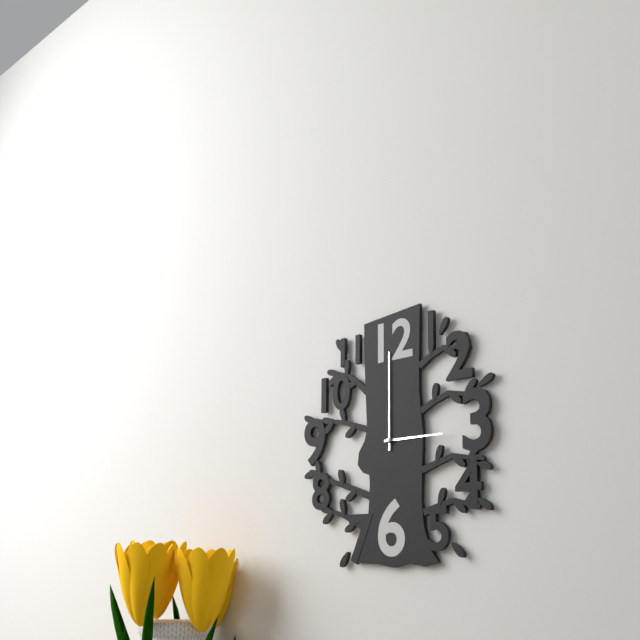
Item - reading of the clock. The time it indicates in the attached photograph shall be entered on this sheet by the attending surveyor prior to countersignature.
3:00
